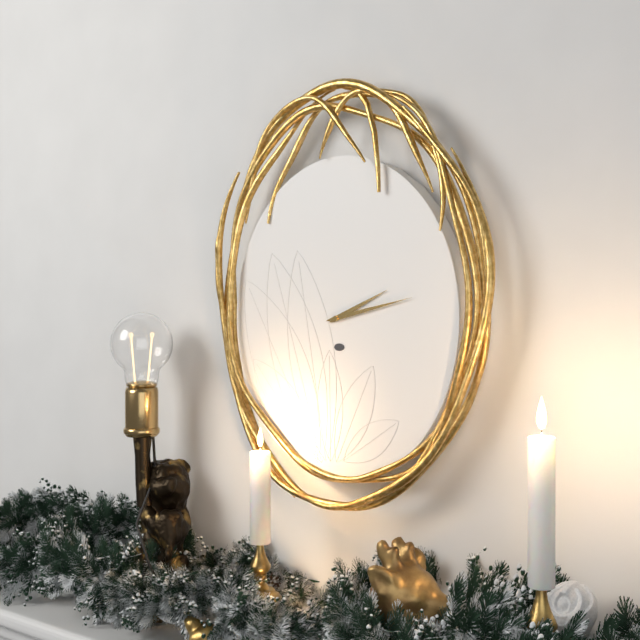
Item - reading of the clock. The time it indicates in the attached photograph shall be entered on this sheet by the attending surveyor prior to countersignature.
2:13
